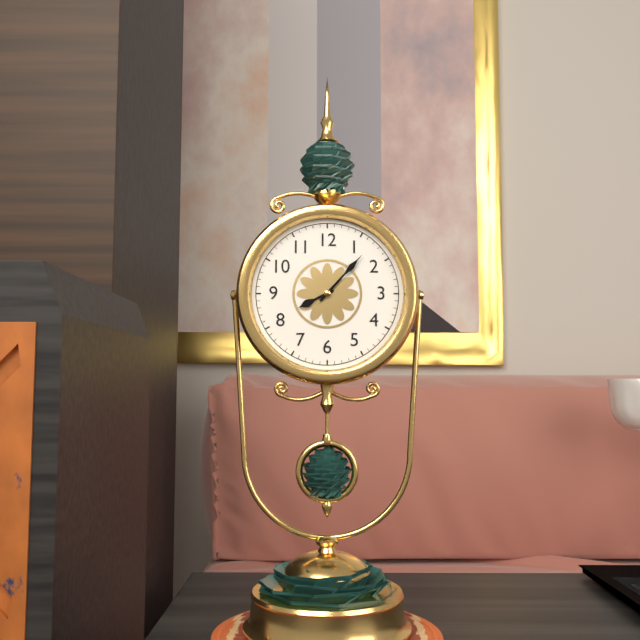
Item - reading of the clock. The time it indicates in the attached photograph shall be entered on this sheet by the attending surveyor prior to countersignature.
8:07
